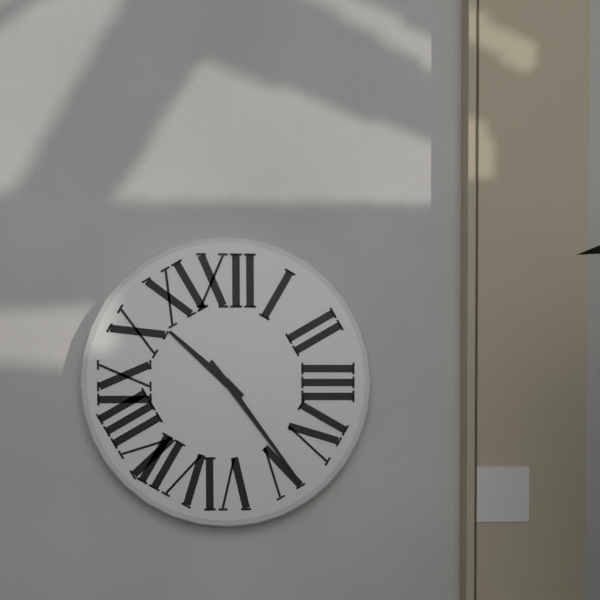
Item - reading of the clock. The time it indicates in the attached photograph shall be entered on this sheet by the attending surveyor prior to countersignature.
10:24
